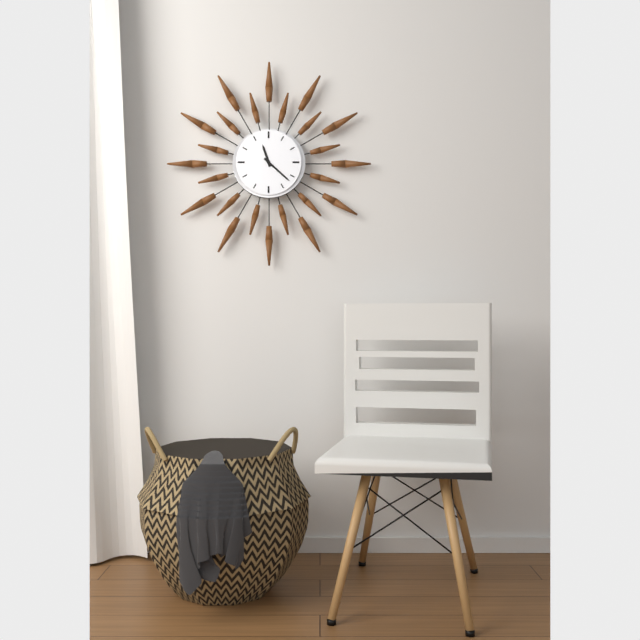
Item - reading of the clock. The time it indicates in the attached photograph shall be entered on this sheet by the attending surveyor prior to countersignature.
11:22
